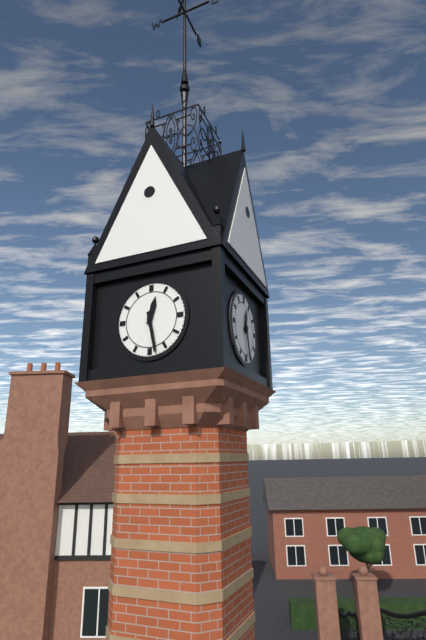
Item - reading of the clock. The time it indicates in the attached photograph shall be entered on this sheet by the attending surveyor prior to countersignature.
12:28
